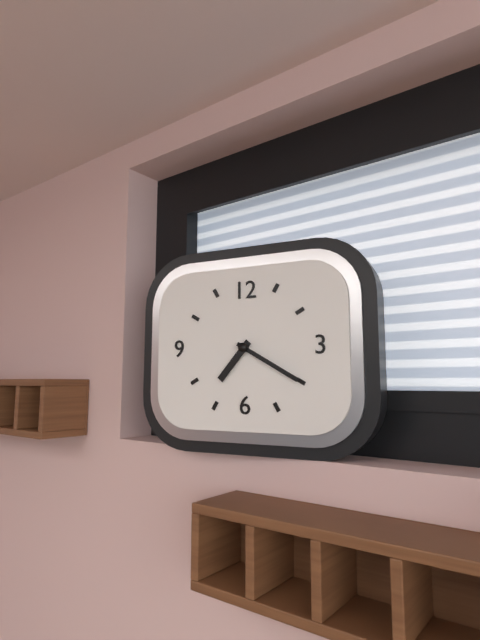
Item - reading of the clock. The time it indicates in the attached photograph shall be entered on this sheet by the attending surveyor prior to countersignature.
7:20
